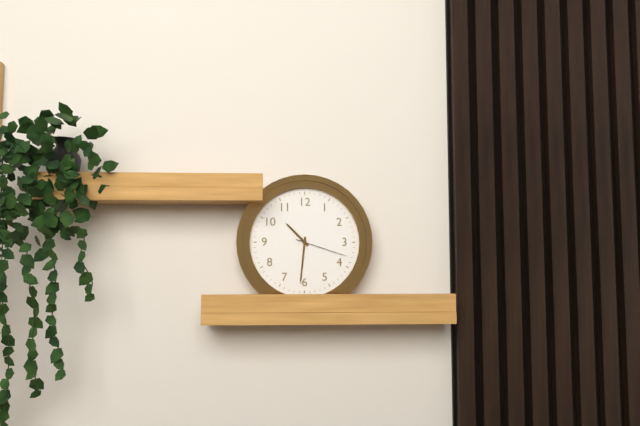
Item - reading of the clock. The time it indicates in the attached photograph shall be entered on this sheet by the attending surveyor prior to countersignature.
10:31:18
